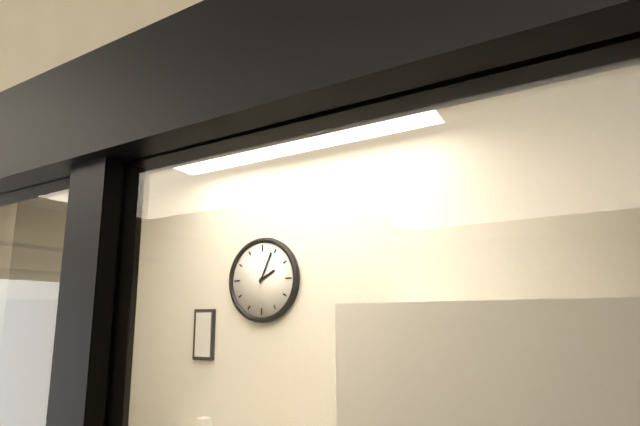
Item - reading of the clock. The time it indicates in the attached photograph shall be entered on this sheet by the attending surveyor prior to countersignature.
2:04
